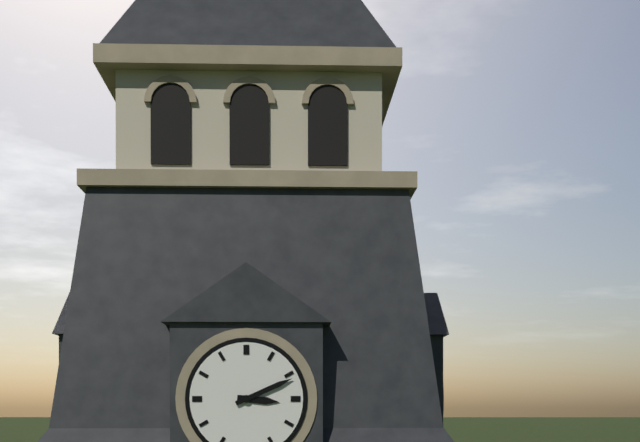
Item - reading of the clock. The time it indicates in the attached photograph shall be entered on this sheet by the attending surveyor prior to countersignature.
3:11
